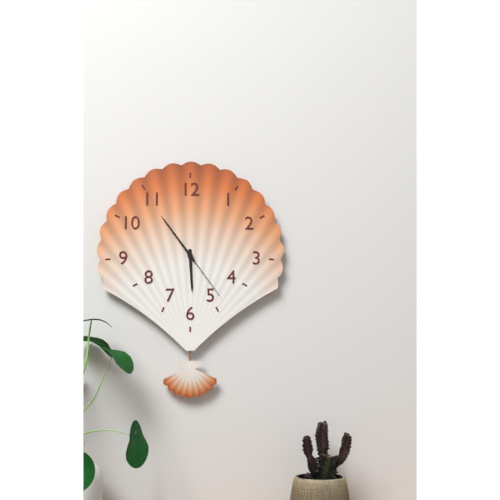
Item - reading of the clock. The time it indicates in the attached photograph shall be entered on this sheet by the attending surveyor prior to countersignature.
5:54:24
